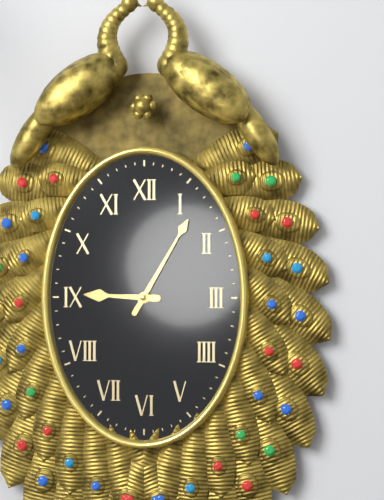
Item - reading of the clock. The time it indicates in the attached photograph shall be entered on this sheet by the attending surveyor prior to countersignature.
9:05
